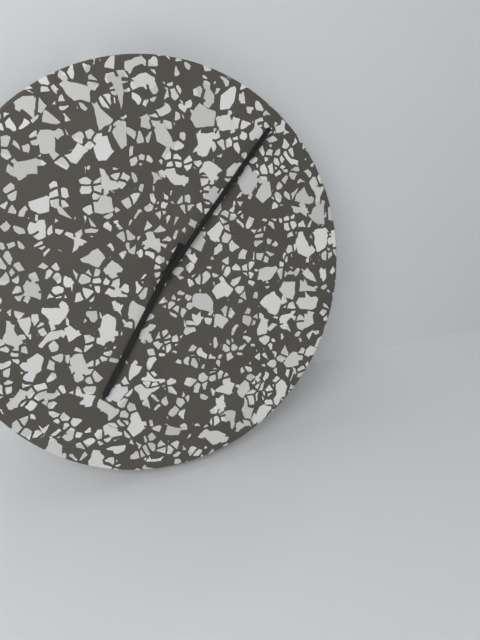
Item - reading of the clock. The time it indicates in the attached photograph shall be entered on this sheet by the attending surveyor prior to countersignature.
7:07
